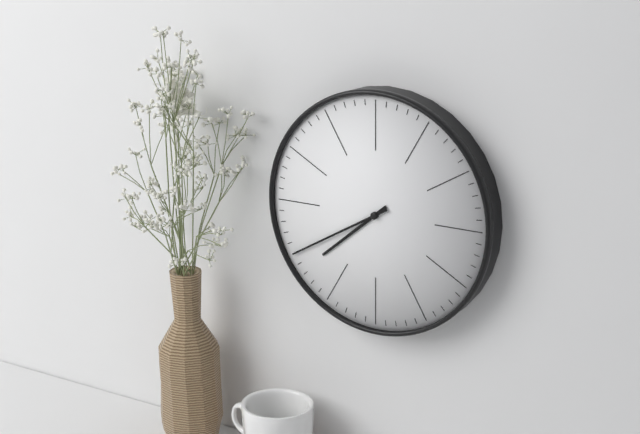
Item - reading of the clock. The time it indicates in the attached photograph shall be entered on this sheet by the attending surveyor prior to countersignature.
7:40
